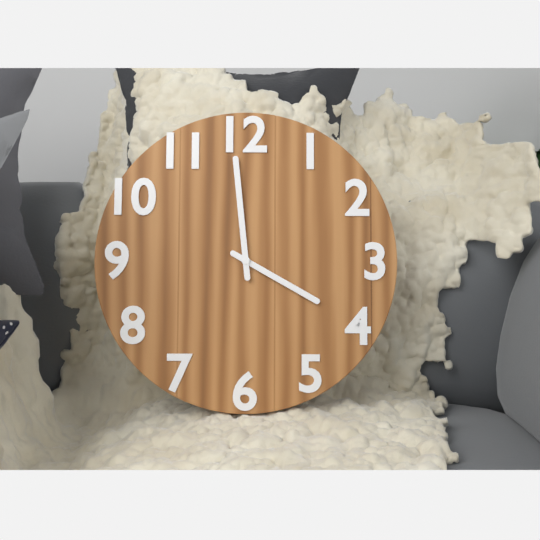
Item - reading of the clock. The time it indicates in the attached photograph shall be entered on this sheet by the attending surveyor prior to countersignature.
3:59
